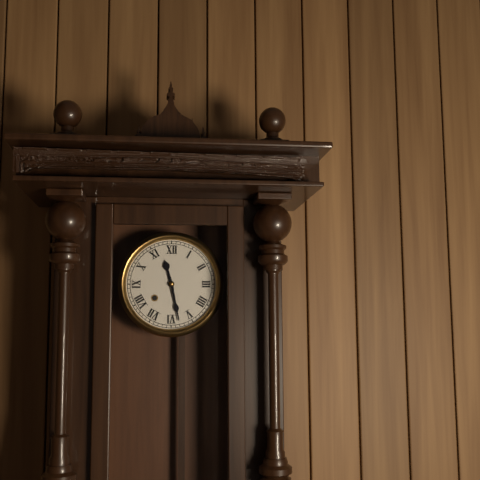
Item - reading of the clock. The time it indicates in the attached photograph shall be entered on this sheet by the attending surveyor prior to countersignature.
11:28
